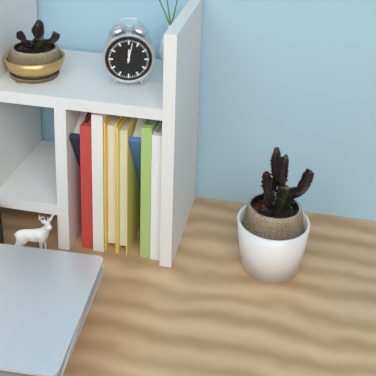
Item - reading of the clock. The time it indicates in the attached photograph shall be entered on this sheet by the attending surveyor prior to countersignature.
12:02
